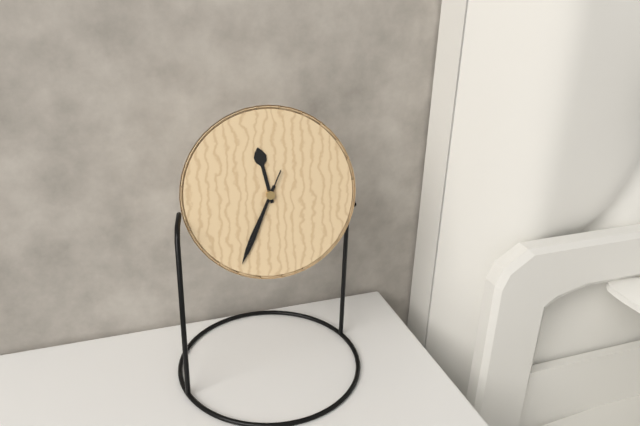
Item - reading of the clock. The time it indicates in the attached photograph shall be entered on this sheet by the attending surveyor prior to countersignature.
11:34:34
